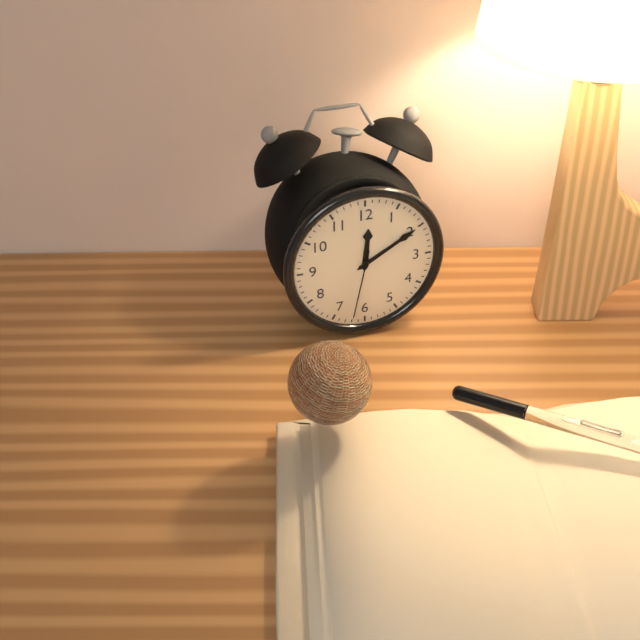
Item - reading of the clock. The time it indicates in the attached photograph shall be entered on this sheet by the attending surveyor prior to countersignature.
12:10:32
